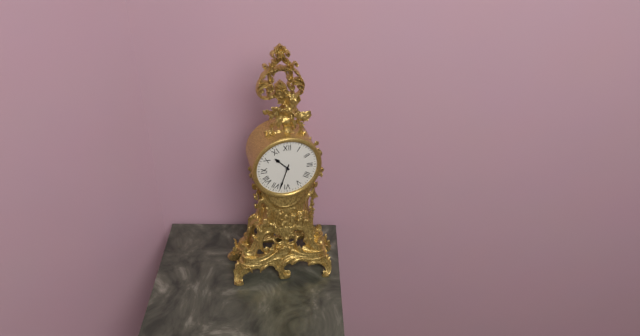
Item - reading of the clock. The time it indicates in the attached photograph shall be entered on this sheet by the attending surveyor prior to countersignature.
10:33
